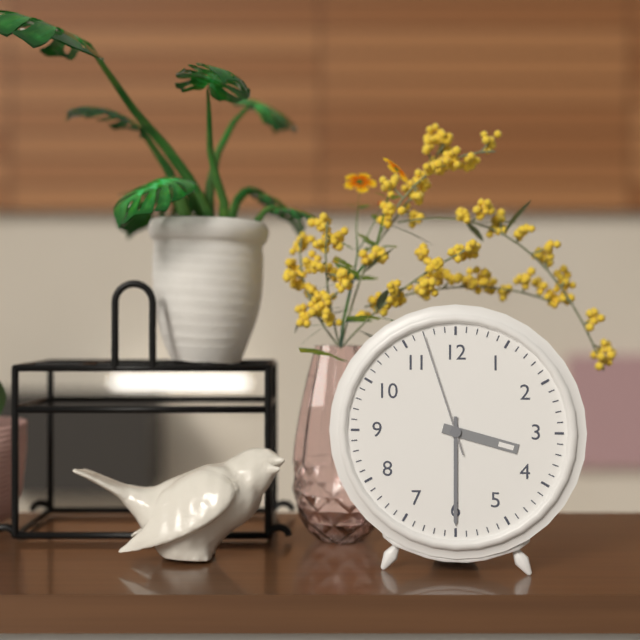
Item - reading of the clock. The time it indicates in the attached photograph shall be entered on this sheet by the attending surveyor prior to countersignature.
3:30:57
